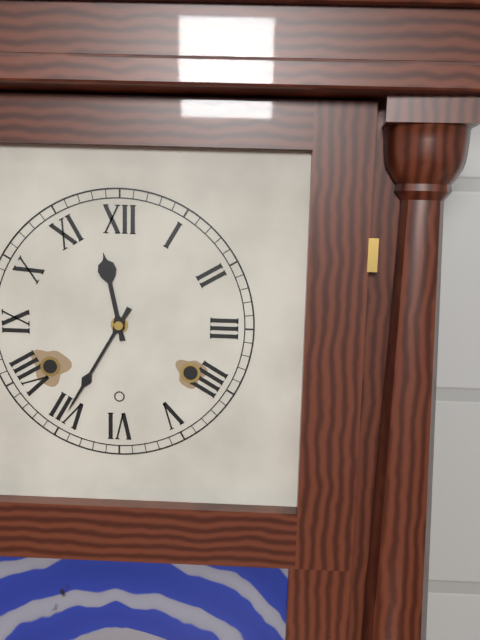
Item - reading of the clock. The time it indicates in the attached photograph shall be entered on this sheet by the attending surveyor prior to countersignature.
11:35
